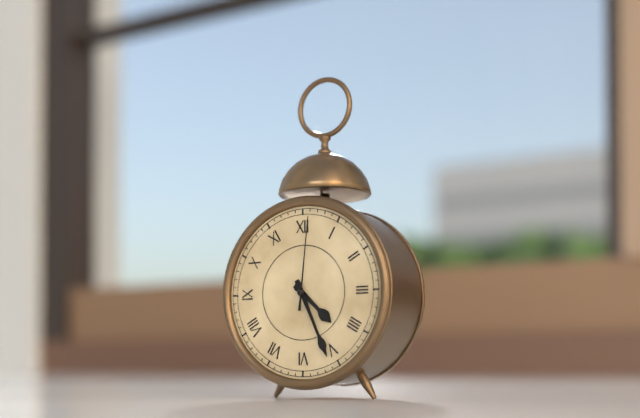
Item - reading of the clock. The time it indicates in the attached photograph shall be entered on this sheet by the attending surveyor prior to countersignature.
4:26:01
